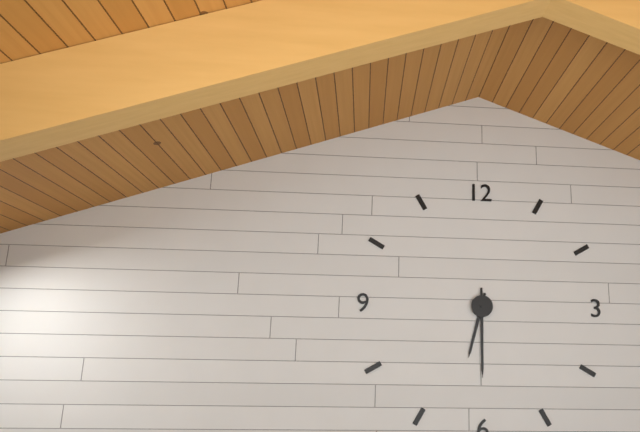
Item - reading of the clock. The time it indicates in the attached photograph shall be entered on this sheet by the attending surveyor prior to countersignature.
6:30
